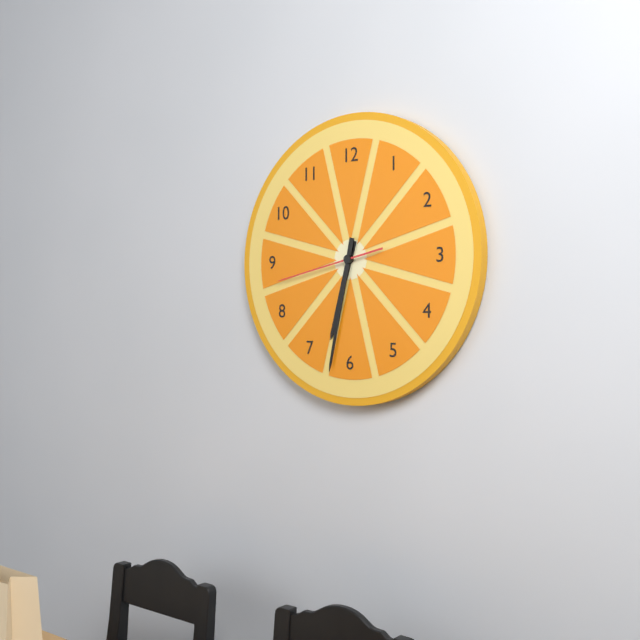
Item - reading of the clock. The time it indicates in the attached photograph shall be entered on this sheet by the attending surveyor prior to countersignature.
6:32:43
